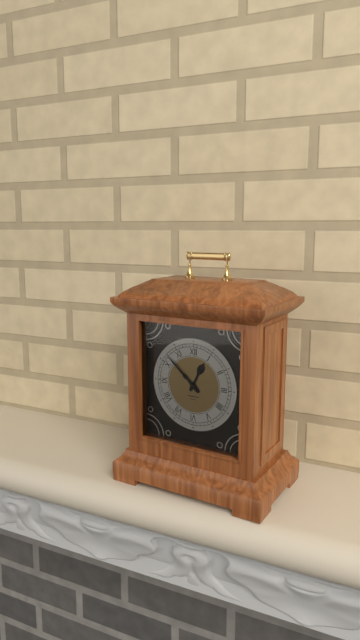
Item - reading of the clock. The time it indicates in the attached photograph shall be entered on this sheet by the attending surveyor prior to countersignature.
12:52
